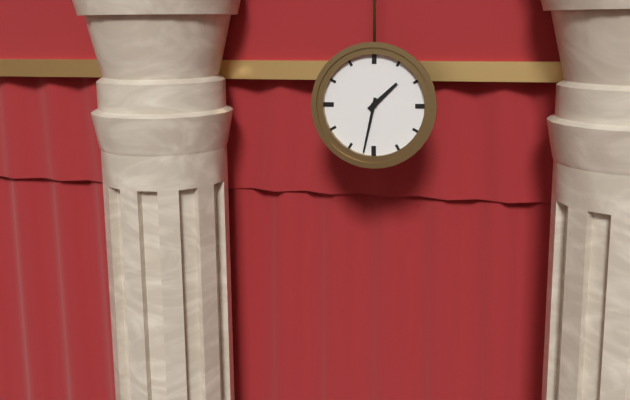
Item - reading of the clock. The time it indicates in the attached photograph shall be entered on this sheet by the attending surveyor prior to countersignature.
1:32
